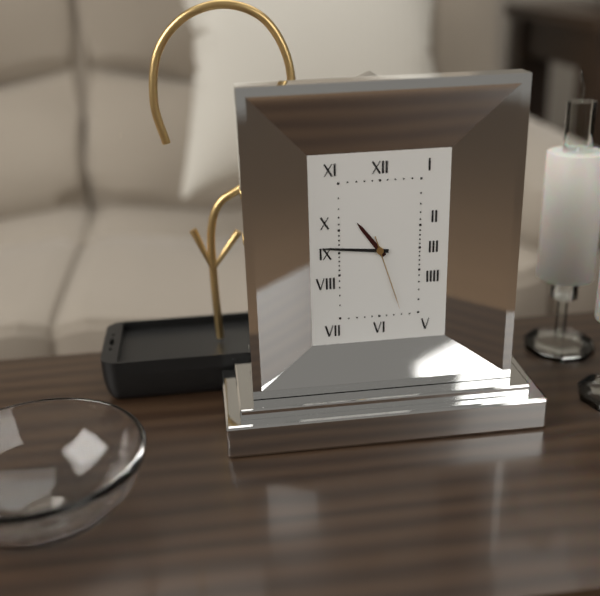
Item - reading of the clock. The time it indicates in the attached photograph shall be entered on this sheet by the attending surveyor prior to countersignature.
10:46:27
